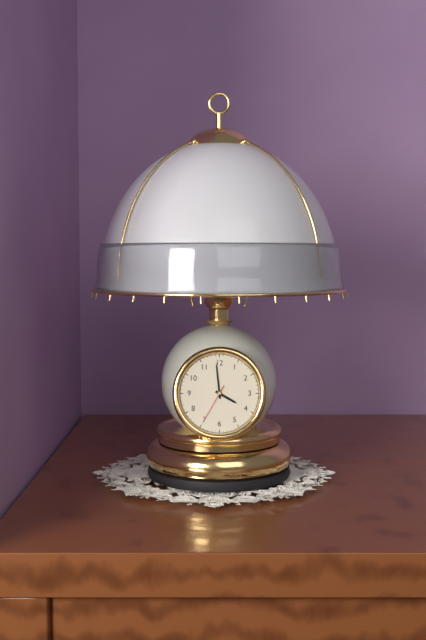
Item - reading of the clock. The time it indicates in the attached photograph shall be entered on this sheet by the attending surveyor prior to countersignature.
3:59
